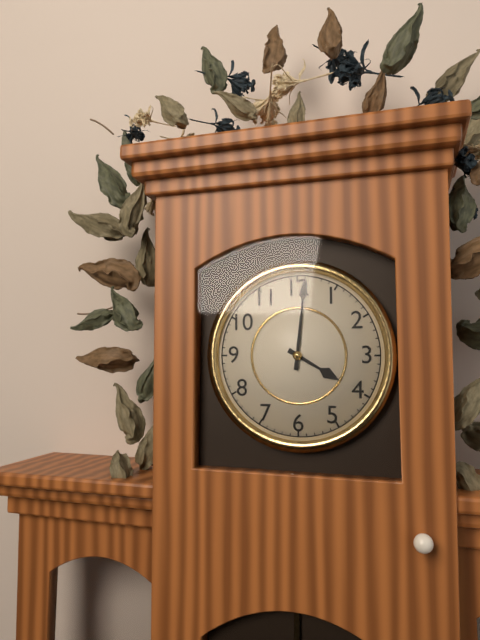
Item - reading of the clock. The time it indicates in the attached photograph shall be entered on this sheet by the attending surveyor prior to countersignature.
4:01
